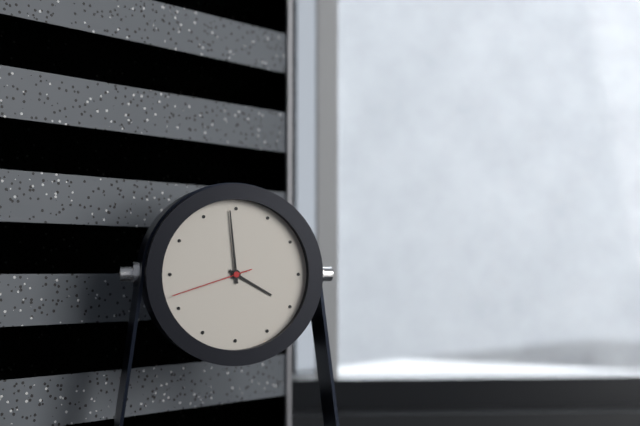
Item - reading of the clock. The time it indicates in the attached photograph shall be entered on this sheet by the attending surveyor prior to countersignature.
3:59:42
